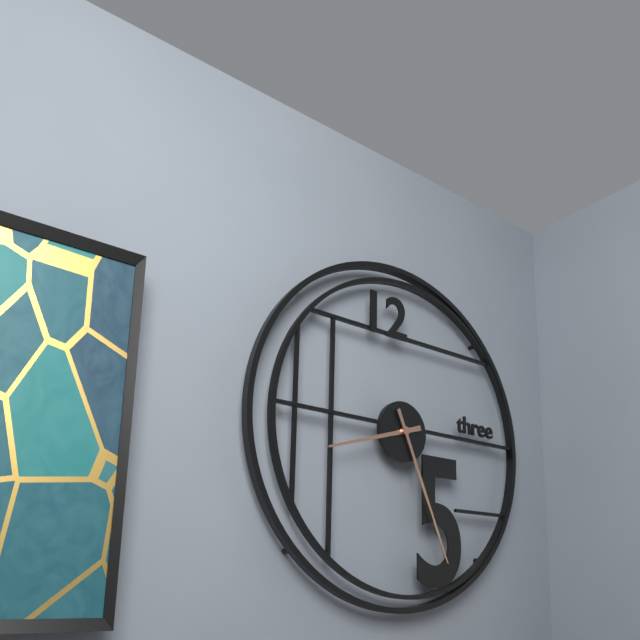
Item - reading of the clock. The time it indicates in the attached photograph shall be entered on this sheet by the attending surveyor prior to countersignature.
8:26
